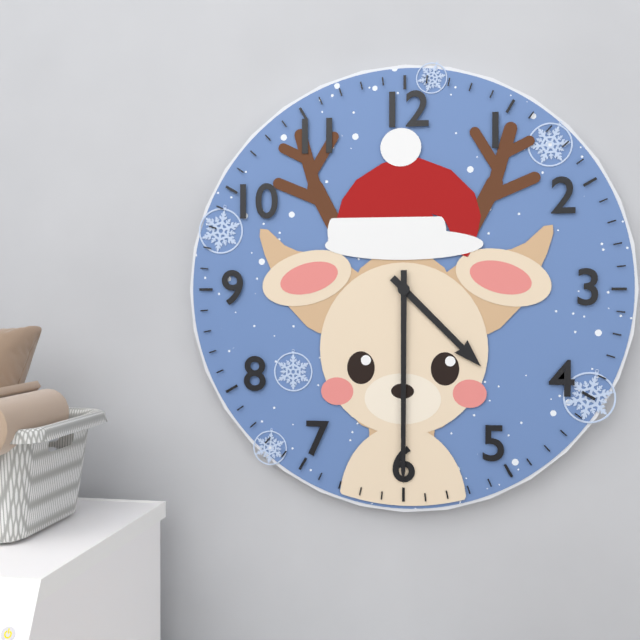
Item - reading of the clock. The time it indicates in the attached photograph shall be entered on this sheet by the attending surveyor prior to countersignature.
4:30
